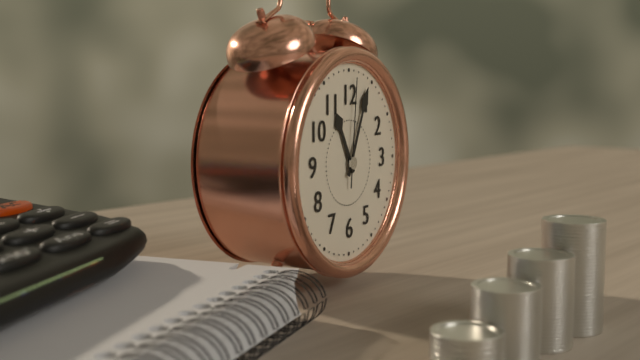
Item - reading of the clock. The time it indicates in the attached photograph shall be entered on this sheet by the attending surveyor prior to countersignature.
11:04:01
